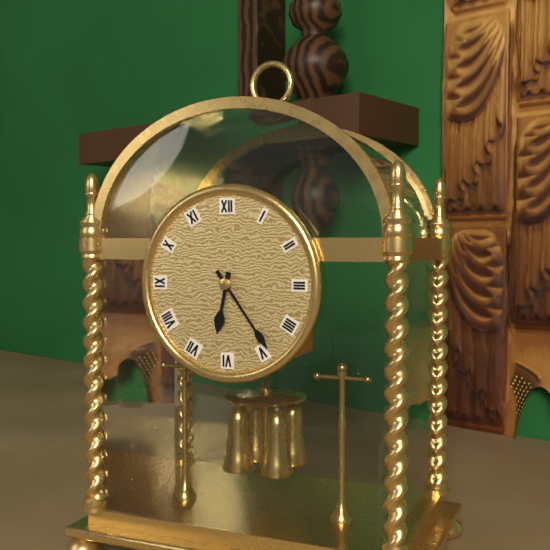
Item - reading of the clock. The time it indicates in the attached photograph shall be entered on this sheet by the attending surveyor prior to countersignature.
6:24
